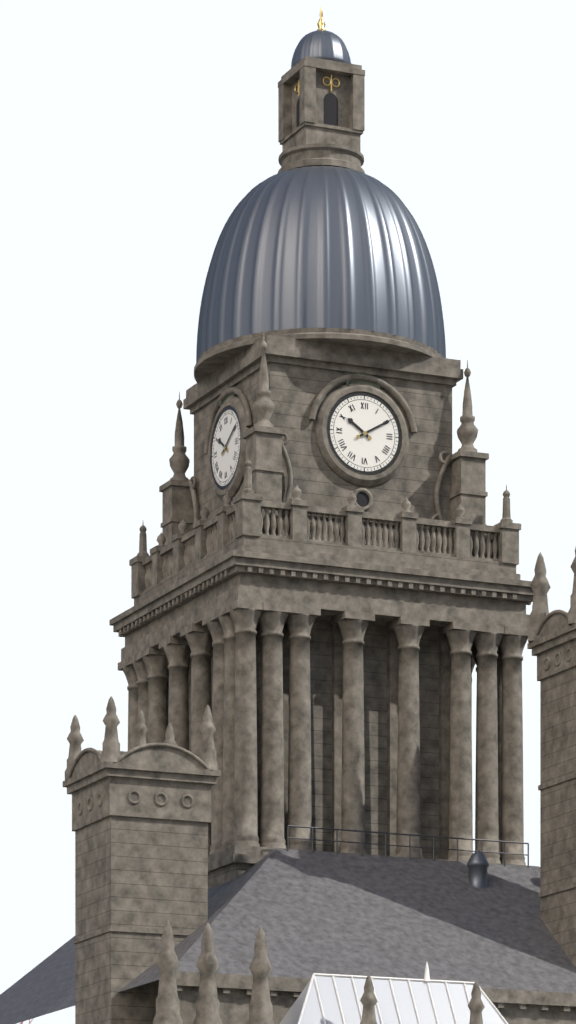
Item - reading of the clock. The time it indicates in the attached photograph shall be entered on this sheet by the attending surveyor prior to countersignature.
10:10
